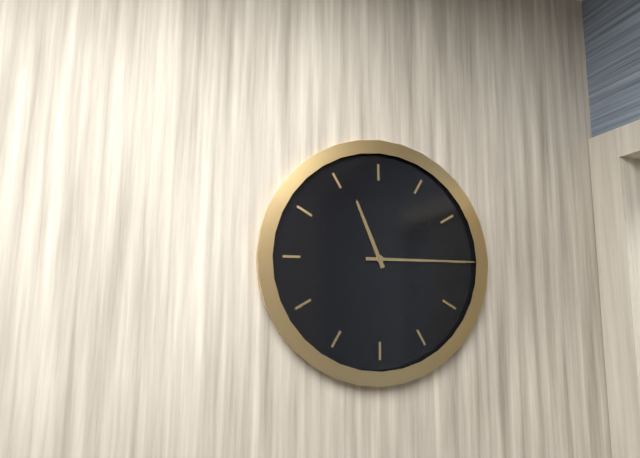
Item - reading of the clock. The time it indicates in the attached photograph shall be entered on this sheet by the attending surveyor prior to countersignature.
11:15
